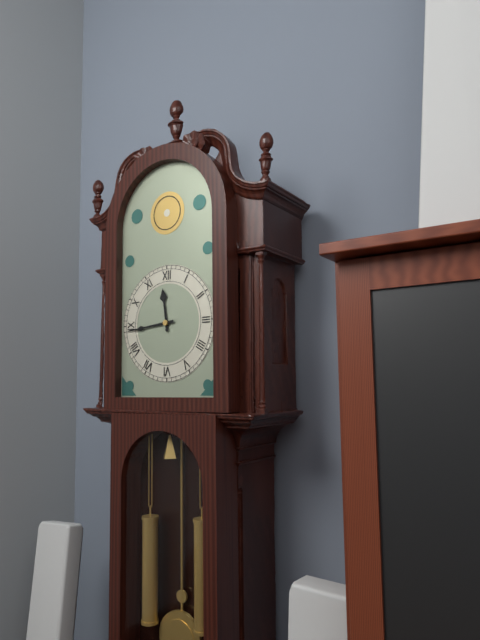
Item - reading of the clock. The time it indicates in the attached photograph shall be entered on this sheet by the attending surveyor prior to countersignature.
11:44
